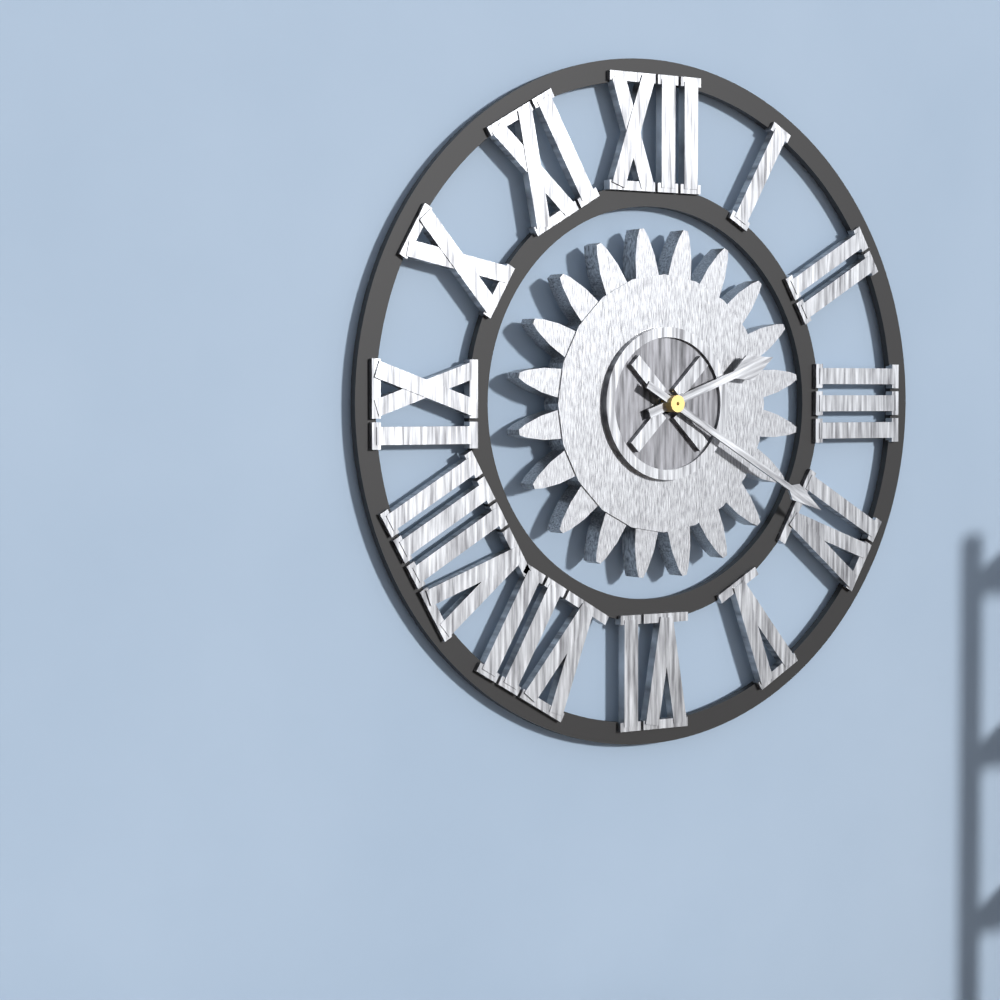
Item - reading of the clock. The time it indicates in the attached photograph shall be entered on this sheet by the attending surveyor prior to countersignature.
2:20
